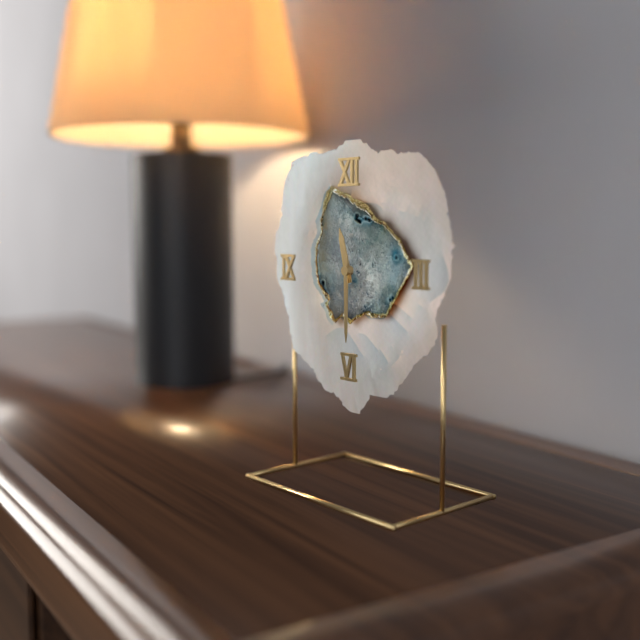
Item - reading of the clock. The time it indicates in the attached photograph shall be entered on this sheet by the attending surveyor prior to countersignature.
11:30
